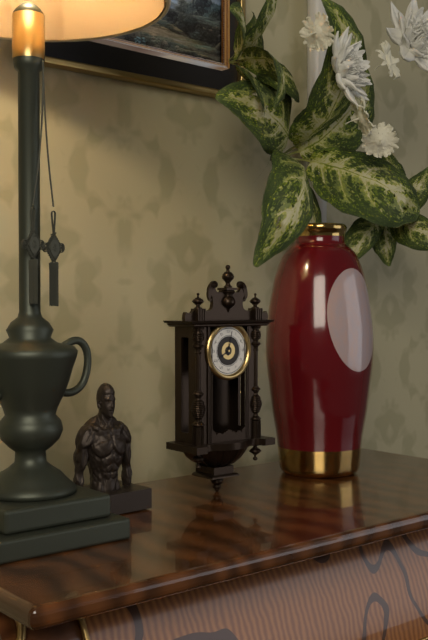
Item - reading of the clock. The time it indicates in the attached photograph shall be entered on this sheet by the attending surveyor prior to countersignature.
8:02
